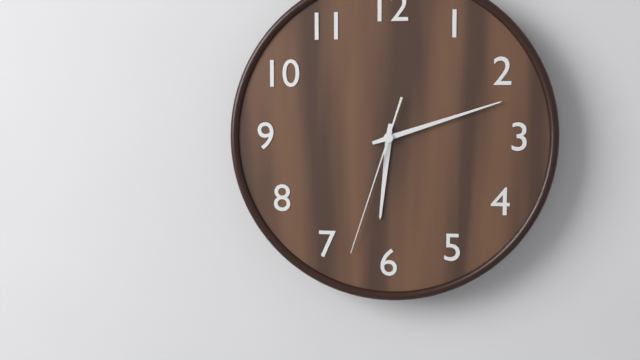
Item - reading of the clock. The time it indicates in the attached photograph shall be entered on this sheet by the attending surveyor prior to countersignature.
6:12:33
